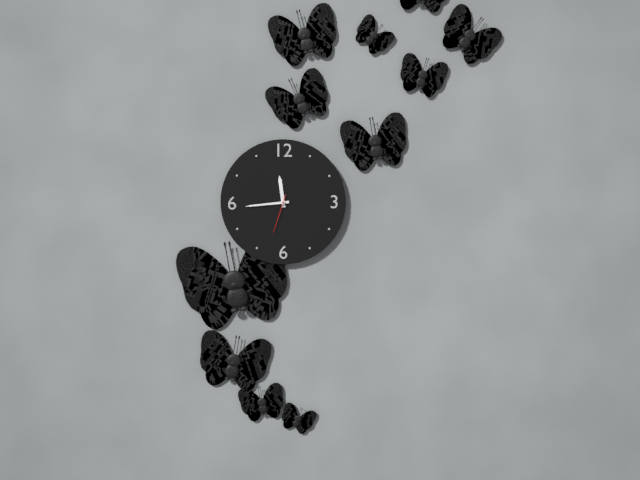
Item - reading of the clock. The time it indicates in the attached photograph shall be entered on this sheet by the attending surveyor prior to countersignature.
11:44
